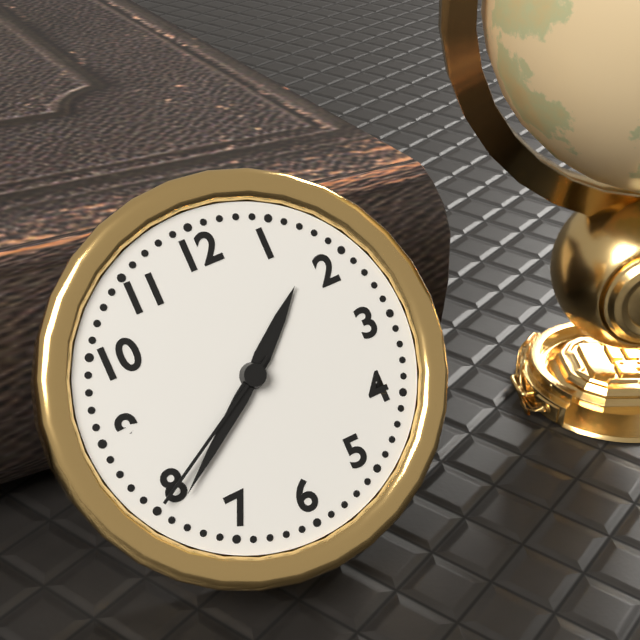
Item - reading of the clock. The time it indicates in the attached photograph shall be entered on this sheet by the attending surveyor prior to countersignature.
1:39:40
